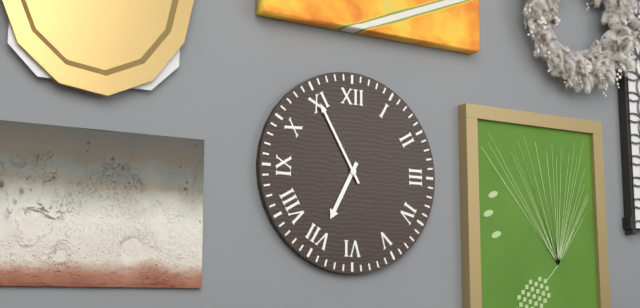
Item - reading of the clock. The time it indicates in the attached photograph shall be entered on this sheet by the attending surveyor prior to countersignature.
6:55
